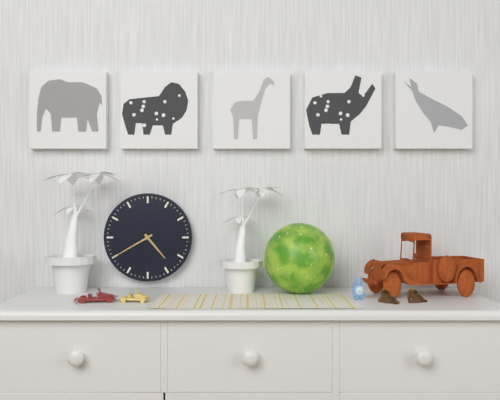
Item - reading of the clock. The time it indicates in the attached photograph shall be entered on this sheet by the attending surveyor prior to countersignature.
4:40
